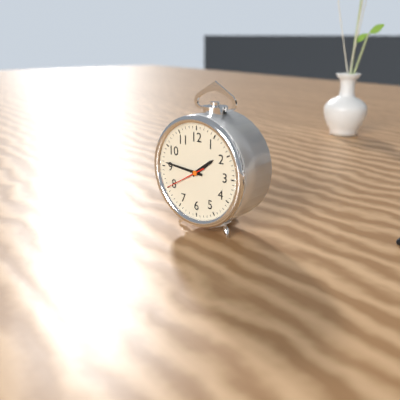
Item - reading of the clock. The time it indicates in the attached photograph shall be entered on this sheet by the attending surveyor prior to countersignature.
1:46
